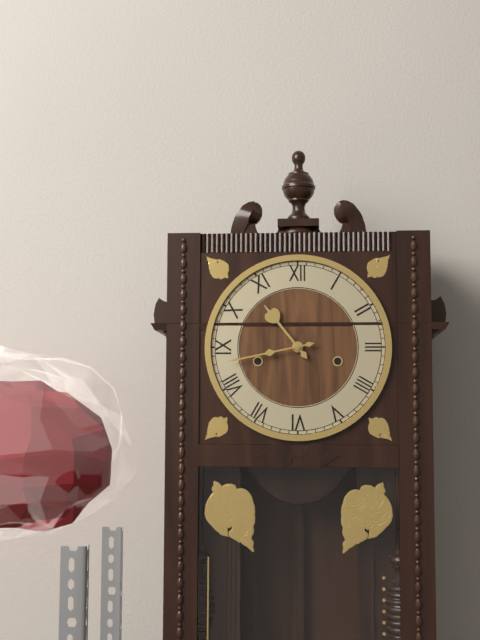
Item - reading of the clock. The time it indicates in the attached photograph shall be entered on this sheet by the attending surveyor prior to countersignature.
10:43
